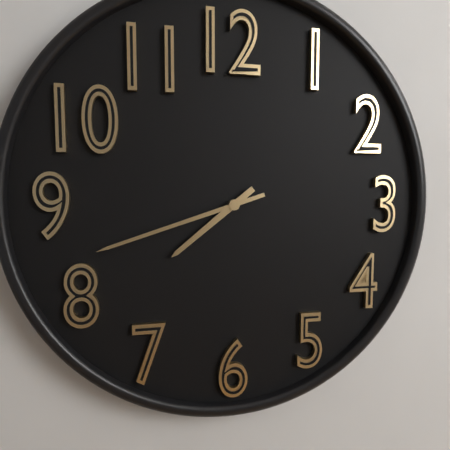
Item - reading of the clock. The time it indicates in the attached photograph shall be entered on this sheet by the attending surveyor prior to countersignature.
7:42
